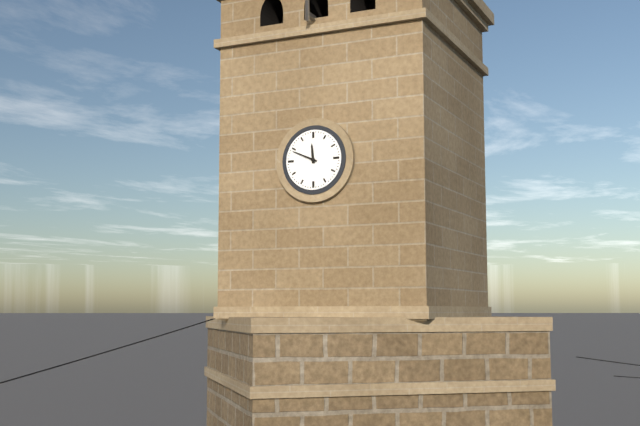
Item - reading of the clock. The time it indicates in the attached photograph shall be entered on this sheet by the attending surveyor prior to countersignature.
11:49
